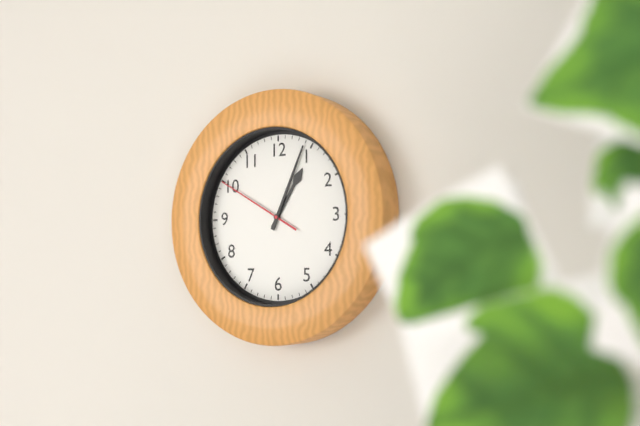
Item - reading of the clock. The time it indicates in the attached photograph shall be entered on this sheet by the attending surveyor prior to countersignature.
1:04:50
